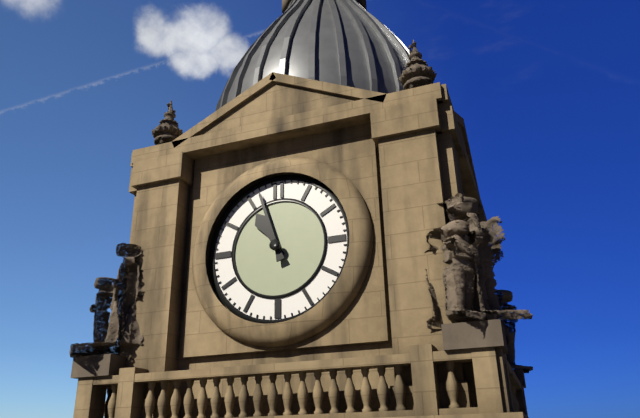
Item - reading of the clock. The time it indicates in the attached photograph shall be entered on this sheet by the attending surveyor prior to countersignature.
10:57
